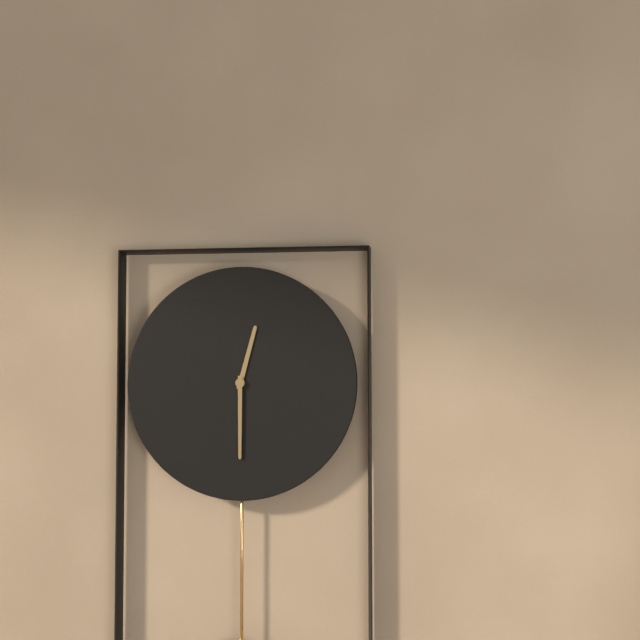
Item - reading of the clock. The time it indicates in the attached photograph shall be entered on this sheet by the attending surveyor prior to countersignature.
12:30
